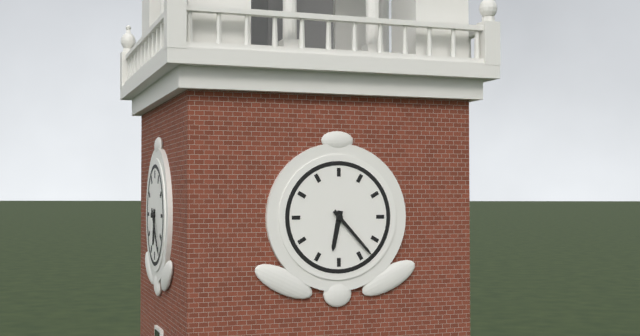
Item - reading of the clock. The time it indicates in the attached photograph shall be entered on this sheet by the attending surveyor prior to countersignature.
6:23
